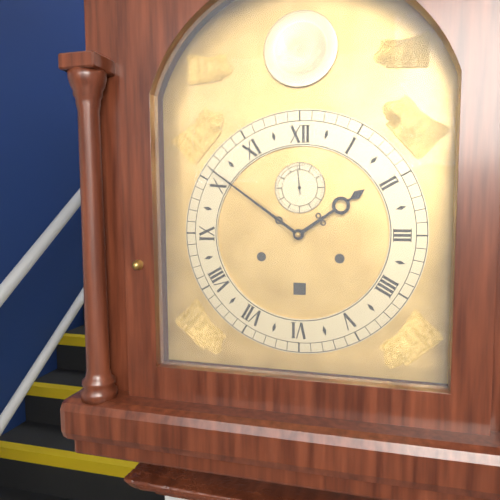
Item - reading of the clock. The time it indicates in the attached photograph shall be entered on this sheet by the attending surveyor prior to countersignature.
1:51
